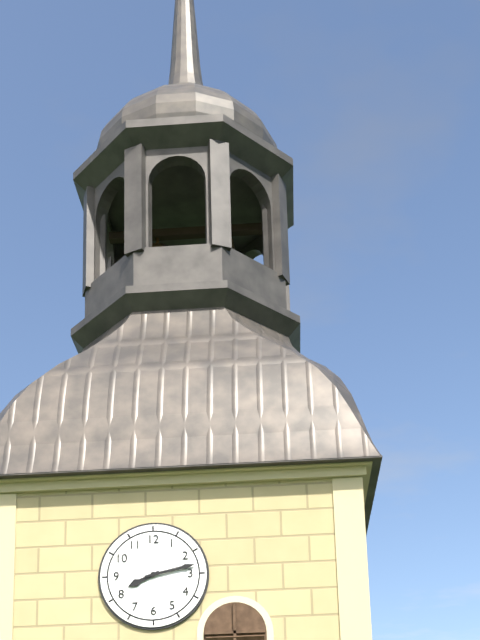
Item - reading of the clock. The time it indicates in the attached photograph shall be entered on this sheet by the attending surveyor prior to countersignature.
8:13
